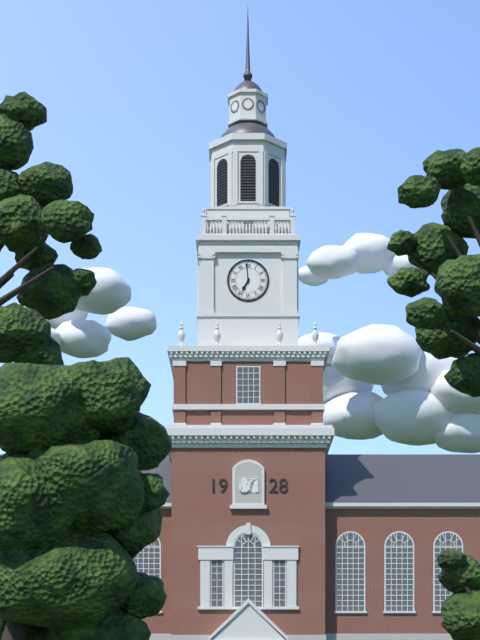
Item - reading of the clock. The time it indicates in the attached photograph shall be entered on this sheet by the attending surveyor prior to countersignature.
6:59
